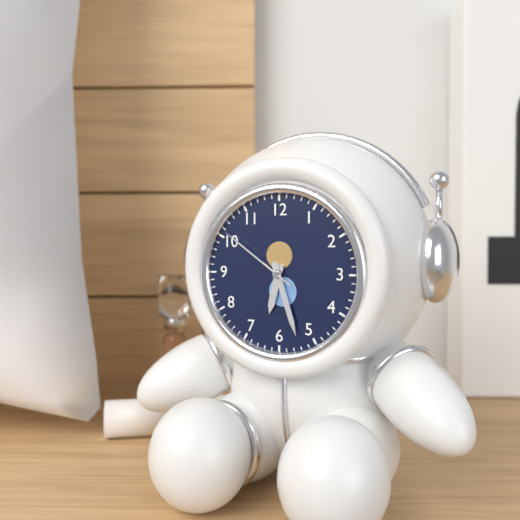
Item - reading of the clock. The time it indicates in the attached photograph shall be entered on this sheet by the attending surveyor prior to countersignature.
6:27:51
